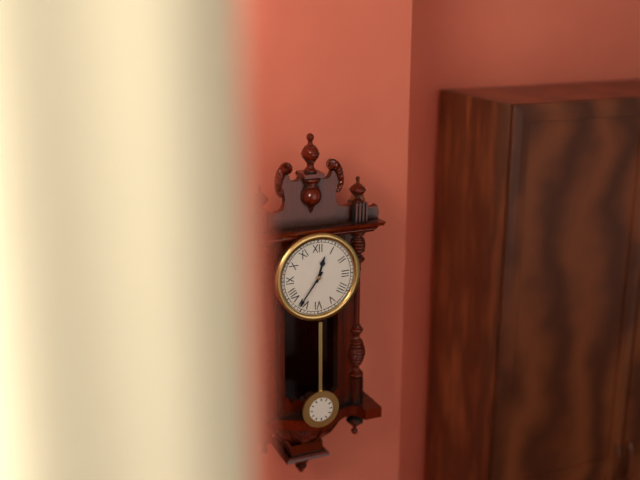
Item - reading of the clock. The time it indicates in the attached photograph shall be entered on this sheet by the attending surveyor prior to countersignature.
12:36
